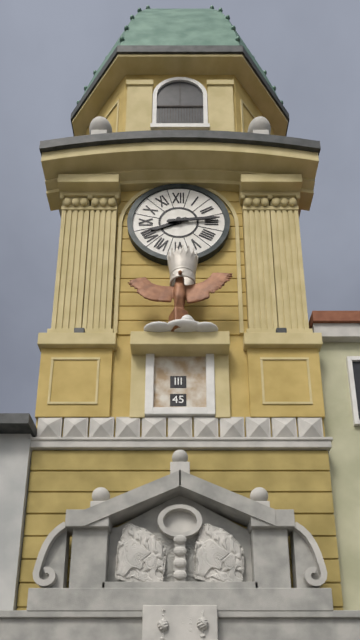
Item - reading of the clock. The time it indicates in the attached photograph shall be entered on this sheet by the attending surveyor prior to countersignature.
8:14
